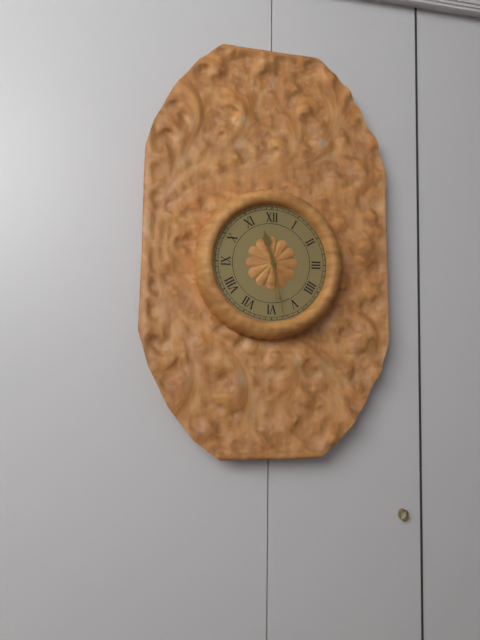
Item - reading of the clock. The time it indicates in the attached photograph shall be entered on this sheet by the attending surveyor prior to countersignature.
11:28
